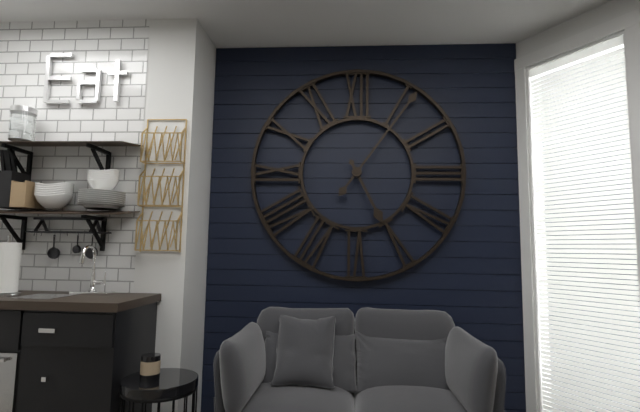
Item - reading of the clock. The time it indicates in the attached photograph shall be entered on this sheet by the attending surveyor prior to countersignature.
5:06
